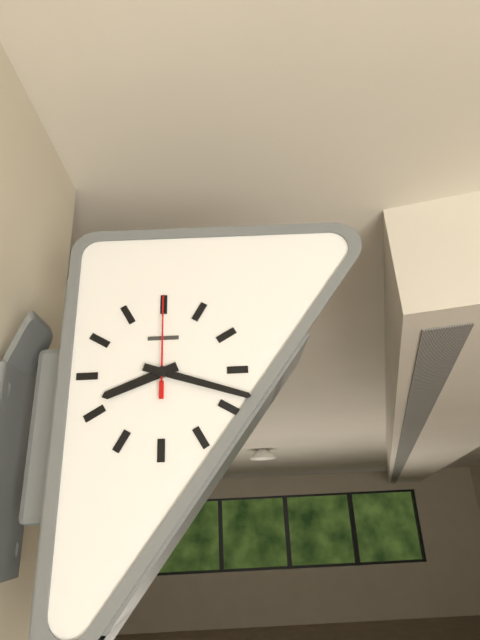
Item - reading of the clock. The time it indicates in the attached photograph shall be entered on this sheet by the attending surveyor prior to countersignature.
8:18:00
